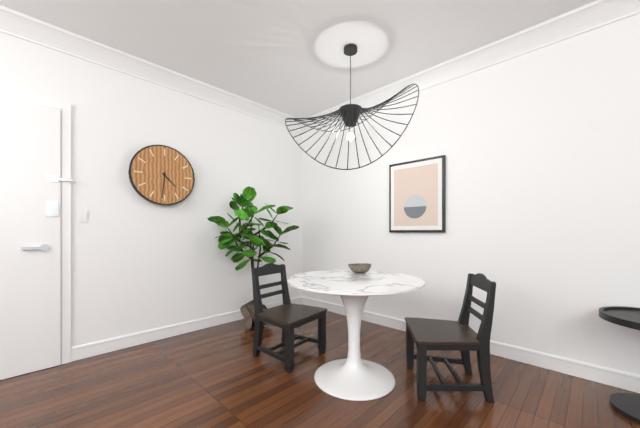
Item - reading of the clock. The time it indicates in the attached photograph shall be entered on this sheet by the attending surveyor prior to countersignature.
4:31
